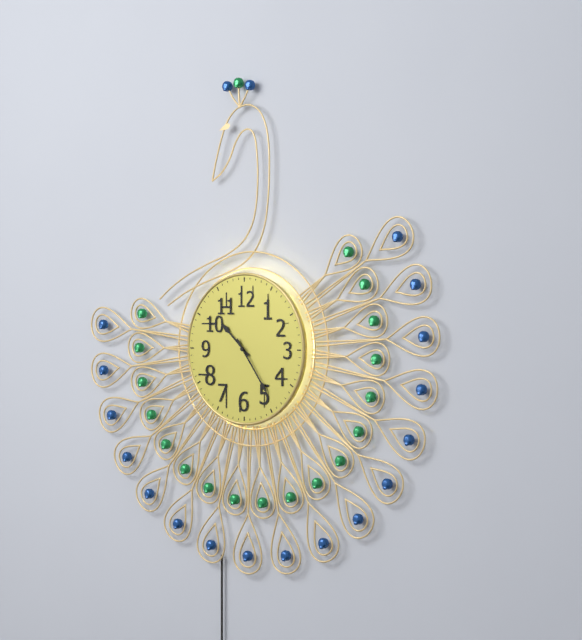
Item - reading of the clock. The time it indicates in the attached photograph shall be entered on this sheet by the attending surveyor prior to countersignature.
10:24
